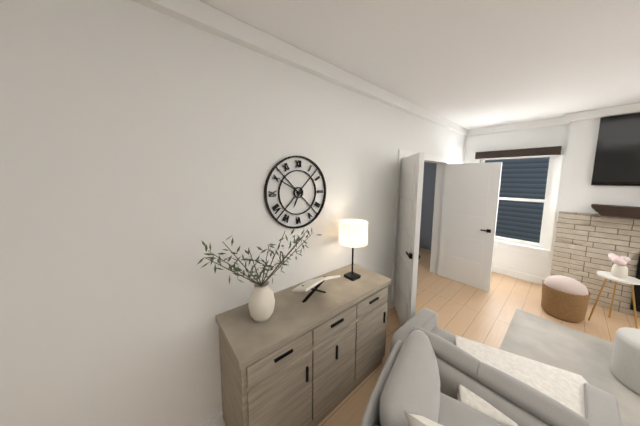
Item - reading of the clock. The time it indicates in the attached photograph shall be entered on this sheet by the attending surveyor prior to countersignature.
6:50
